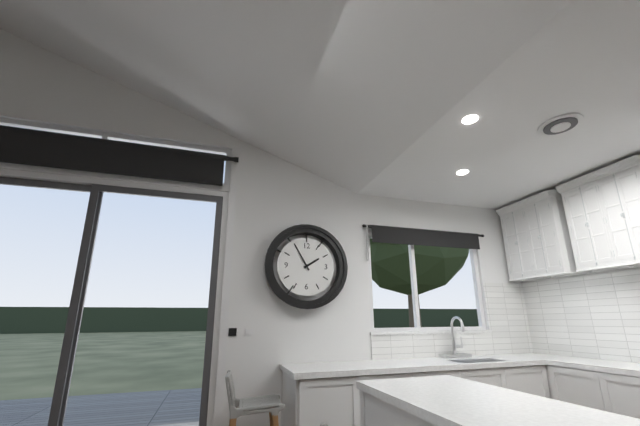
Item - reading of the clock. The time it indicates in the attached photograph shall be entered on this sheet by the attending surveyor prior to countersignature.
1:55
